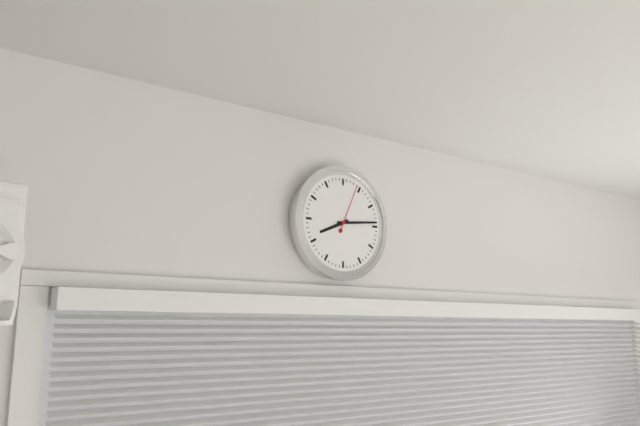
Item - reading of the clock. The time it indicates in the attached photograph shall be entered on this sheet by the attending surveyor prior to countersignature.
8:14:04
